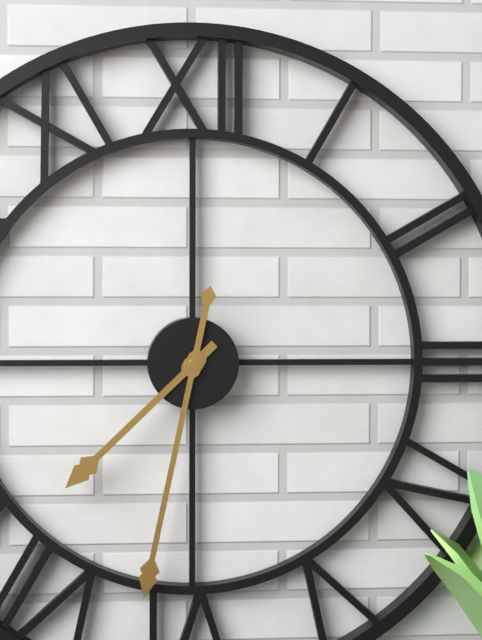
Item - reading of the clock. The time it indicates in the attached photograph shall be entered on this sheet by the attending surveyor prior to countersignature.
7:32
